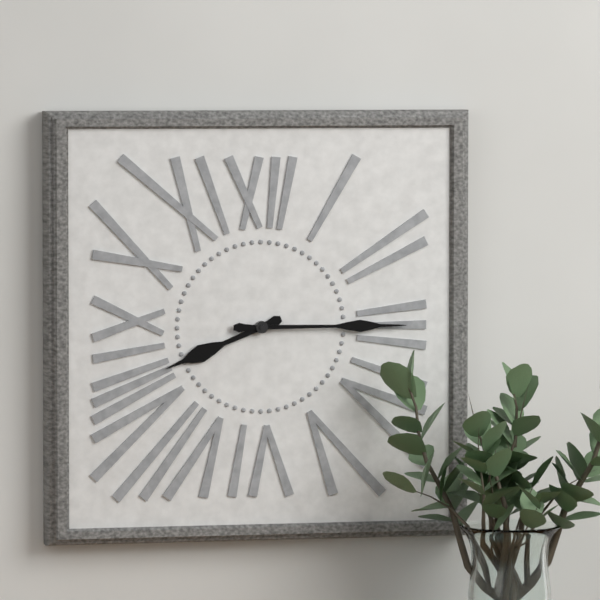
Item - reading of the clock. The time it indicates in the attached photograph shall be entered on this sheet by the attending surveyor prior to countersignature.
8:15
